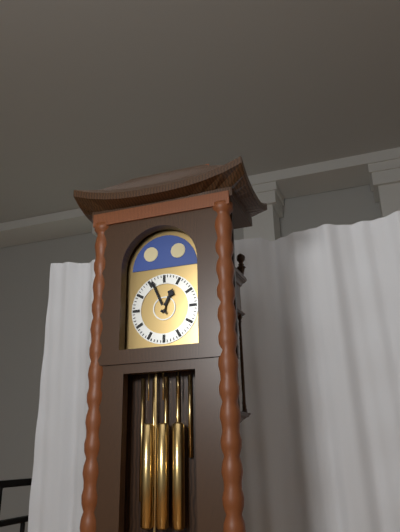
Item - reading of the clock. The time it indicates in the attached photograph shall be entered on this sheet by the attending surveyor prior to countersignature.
12:56
